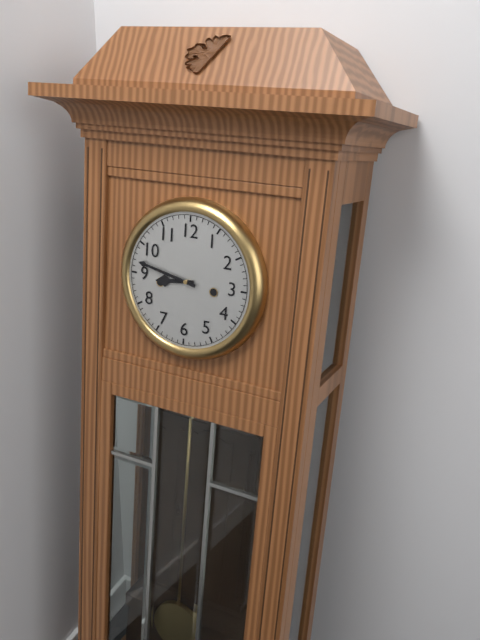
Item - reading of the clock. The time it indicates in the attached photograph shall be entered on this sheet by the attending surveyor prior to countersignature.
8:47
